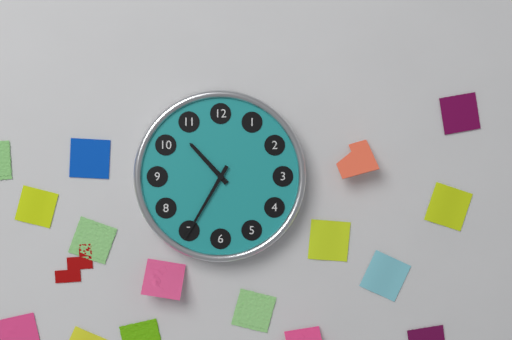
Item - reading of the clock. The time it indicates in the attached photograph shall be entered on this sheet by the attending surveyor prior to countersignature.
10:35
